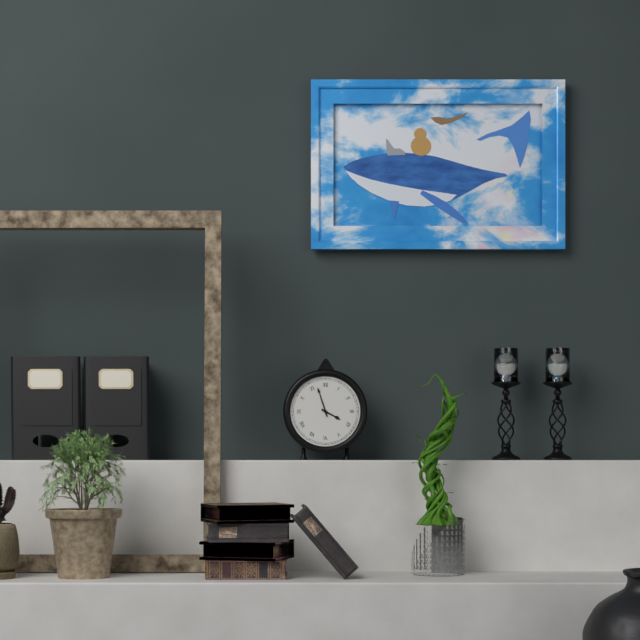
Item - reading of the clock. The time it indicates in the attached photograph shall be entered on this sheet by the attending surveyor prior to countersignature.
3:57
